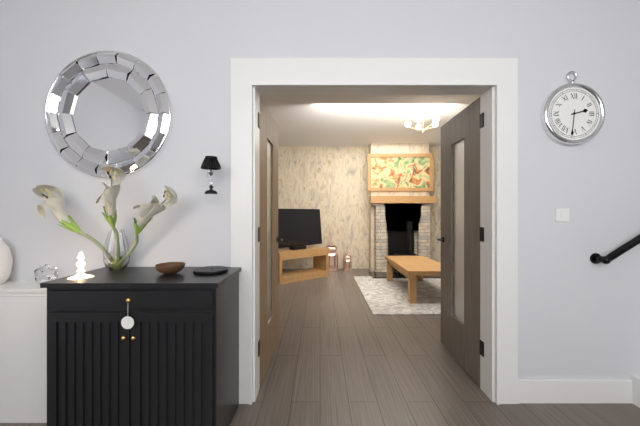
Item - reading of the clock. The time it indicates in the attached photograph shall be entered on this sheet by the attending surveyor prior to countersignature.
2:31
